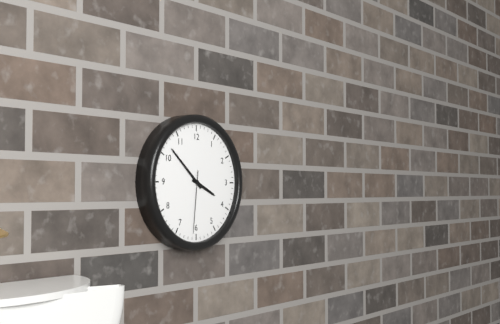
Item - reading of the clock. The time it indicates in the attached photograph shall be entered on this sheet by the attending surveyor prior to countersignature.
3:52:31
